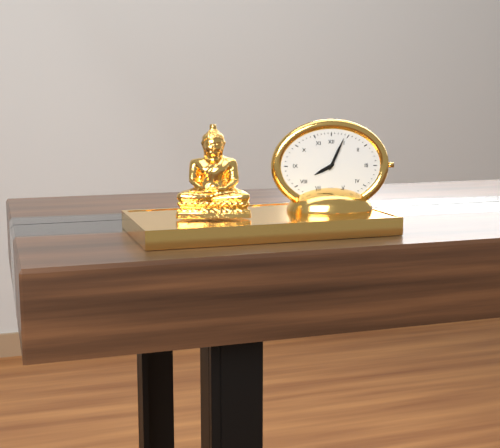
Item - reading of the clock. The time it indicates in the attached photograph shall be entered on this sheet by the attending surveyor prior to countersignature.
8:04
